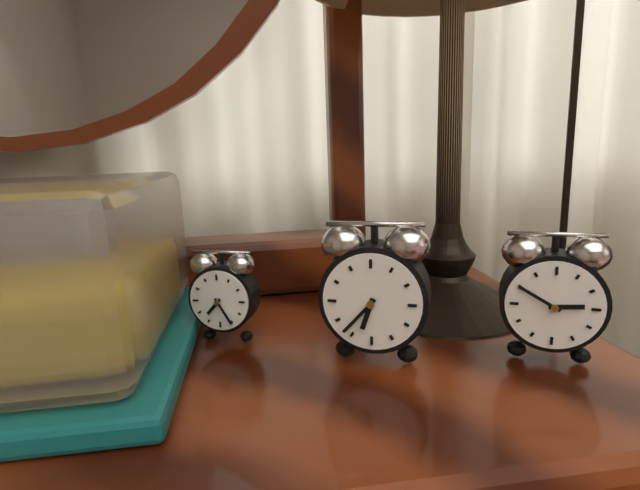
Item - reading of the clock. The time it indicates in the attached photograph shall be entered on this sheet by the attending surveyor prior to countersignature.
6:37
